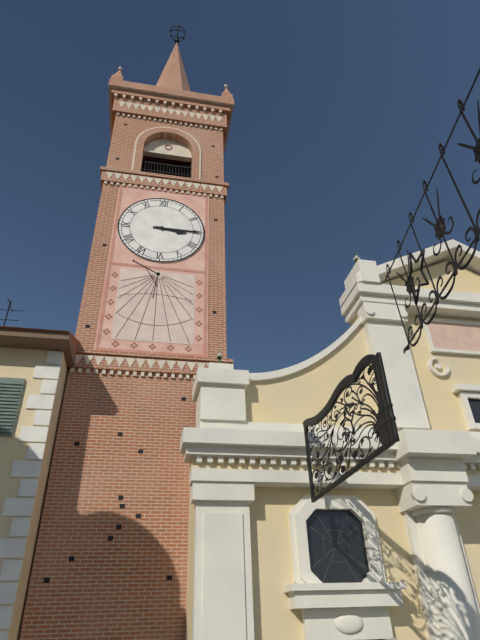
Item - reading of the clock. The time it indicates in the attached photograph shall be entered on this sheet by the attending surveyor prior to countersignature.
3:15
